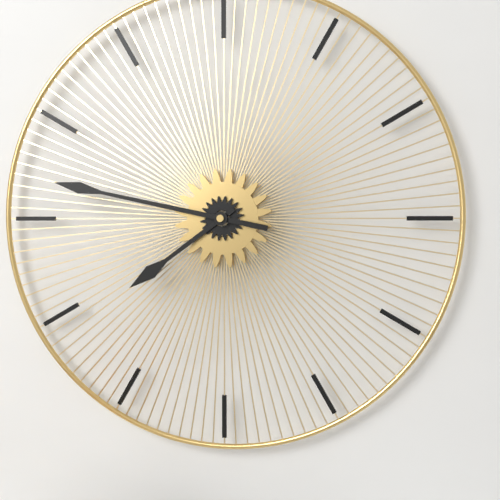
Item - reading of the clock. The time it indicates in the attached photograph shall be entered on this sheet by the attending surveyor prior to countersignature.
7:47
